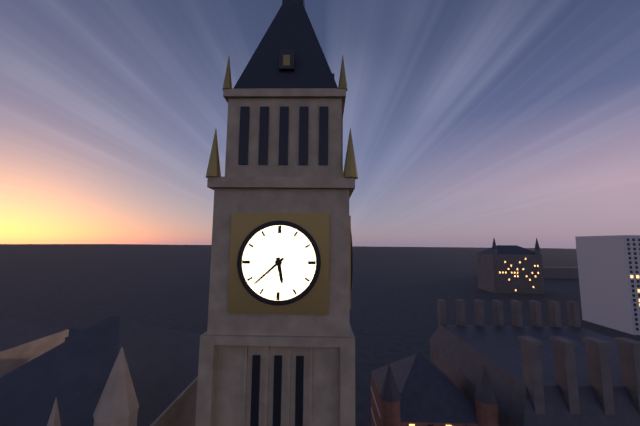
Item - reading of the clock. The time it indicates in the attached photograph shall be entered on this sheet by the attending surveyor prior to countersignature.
5:38
